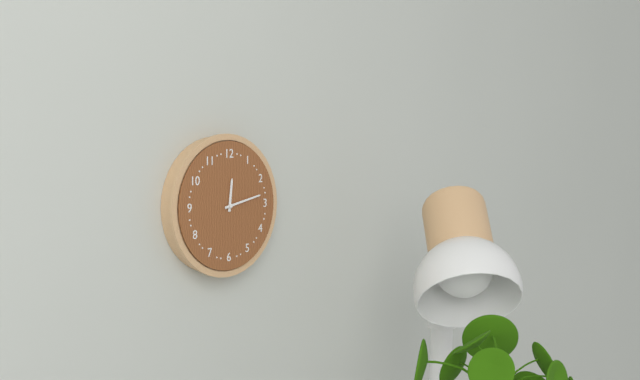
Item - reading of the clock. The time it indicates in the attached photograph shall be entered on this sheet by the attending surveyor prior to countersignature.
12:13
